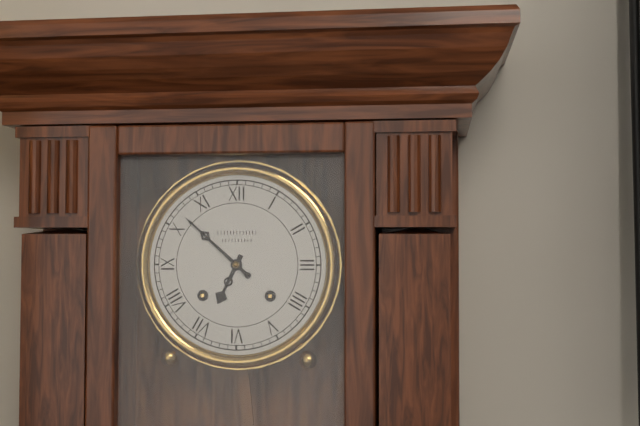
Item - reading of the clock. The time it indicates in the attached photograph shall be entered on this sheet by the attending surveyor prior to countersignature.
6:52
